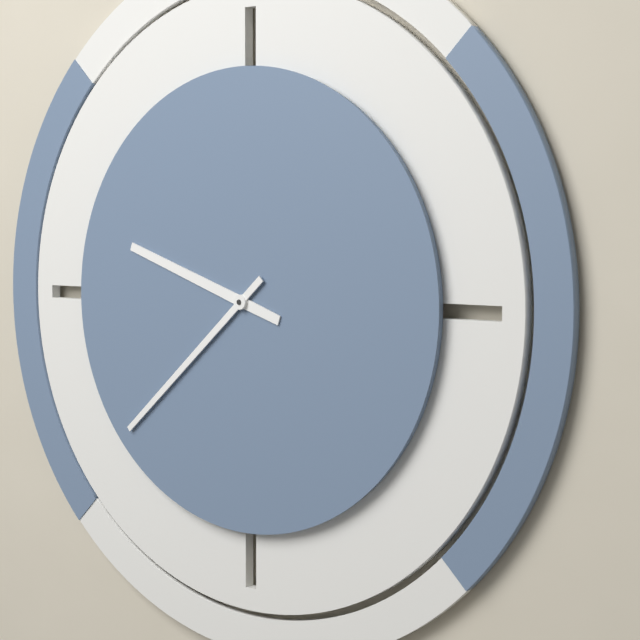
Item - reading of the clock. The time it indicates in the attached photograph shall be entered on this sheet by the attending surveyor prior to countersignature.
9:38
